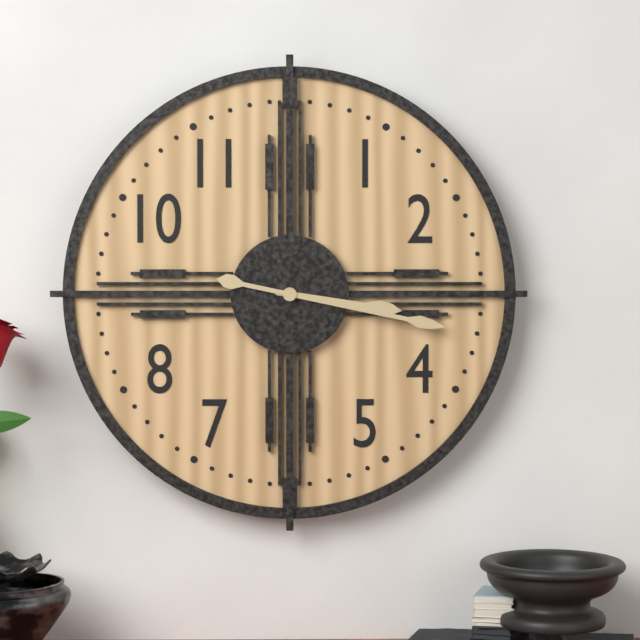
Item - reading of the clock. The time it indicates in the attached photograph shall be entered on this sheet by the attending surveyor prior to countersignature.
3:17
